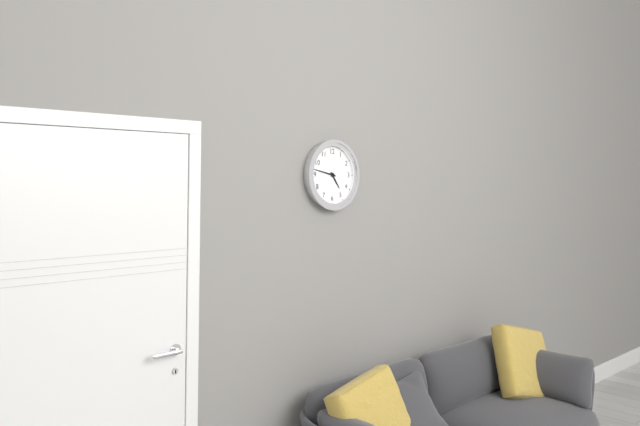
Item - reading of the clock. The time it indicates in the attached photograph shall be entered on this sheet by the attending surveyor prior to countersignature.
4:47
